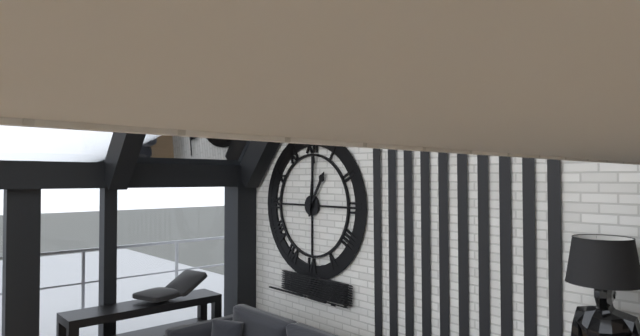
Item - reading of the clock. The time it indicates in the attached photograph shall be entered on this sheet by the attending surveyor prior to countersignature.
1:01
